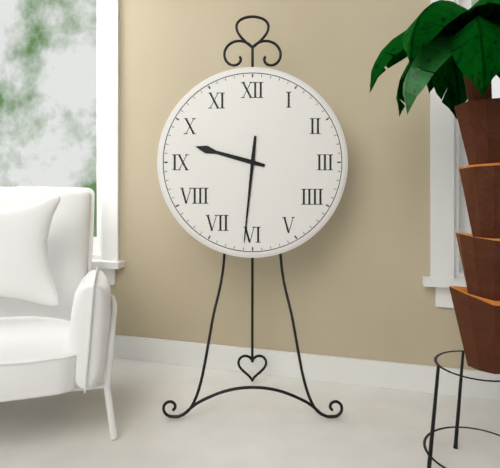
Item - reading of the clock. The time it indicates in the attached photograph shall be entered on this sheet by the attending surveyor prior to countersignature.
9:31
